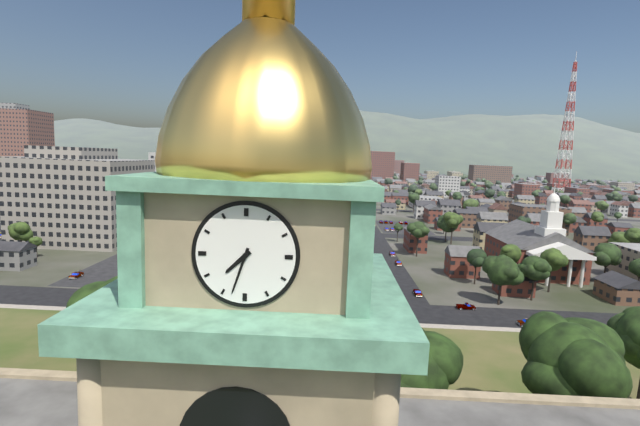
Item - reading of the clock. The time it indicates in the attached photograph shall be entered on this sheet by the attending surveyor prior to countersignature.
7:33
